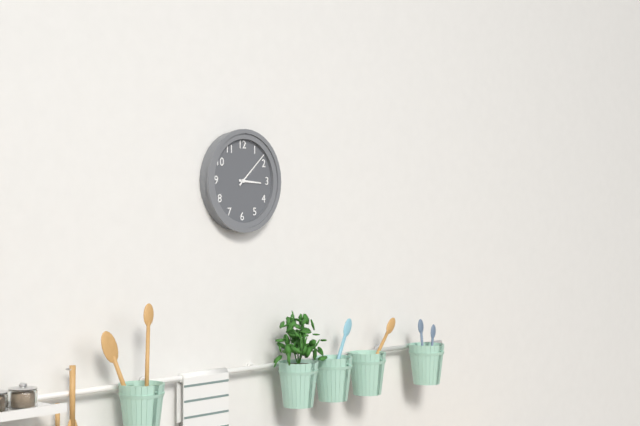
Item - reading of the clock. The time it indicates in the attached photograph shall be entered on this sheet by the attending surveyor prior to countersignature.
3:08
